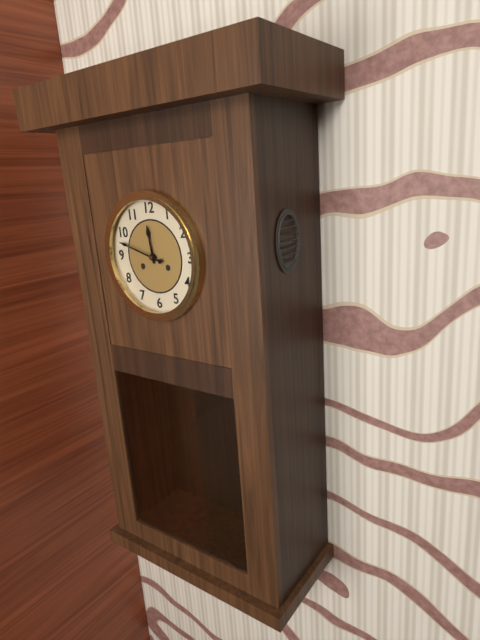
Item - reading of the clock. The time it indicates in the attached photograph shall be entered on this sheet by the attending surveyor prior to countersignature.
11:48
